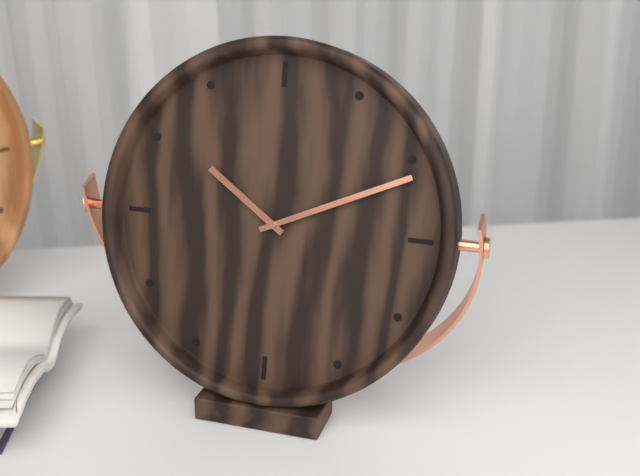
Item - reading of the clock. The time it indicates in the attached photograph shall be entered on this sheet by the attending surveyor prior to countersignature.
10:11
